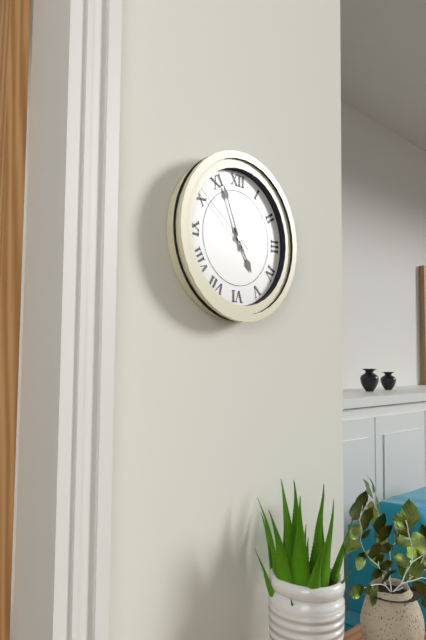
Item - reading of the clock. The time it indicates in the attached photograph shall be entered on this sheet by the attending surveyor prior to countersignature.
4:56:51
